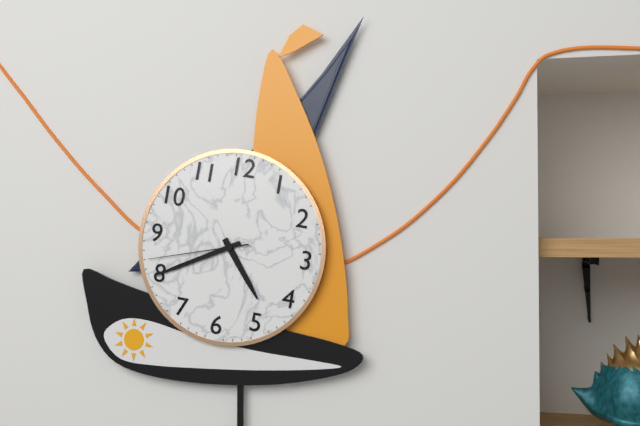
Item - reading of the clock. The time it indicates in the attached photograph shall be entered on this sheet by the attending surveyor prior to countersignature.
4:40:42
